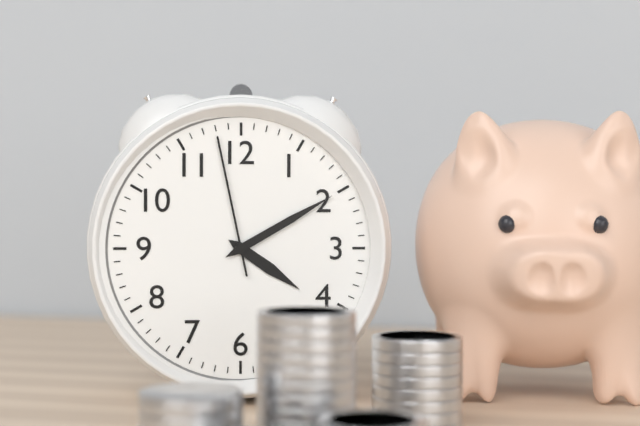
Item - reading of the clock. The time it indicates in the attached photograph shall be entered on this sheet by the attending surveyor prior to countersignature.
4:10:58
